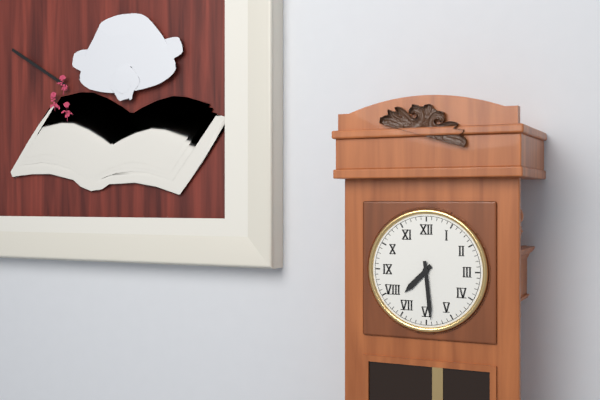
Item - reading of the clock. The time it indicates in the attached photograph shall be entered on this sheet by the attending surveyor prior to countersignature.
7:29
